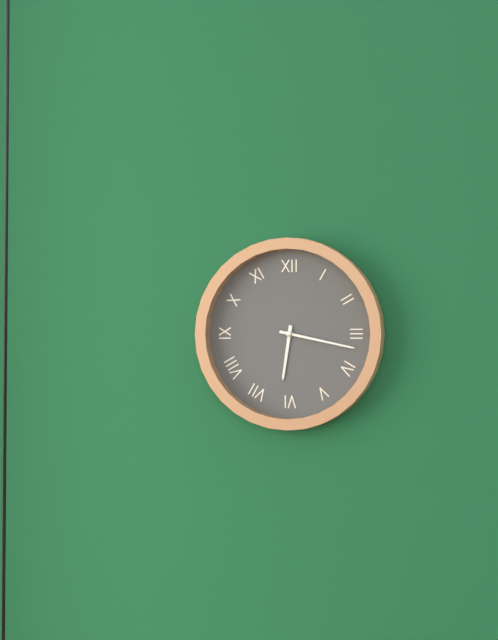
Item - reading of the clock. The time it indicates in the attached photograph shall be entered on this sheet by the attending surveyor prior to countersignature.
6:17
